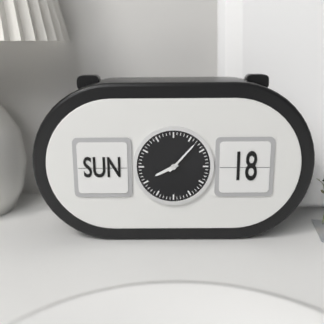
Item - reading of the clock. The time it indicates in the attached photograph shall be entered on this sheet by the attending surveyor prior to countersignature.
8:07
